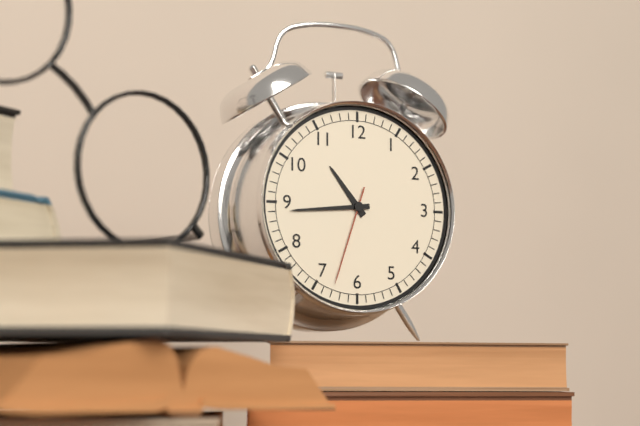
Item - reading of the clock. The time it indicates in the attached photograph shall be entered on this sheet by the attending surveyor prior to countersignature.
10:44:33
